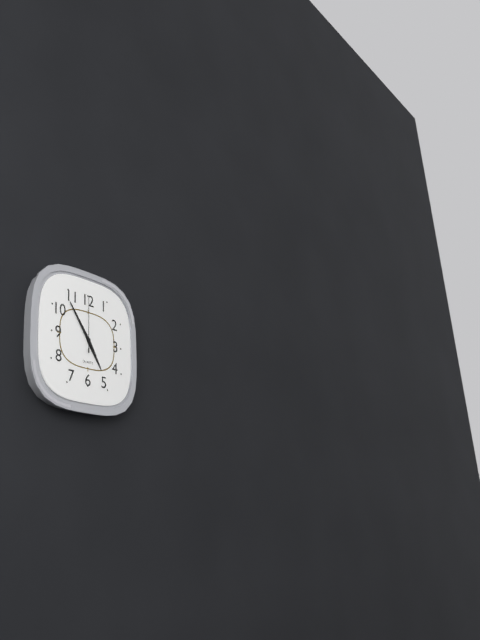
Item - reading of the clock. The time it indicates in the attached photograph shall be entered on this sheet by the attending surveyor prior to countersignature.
4:54:00
